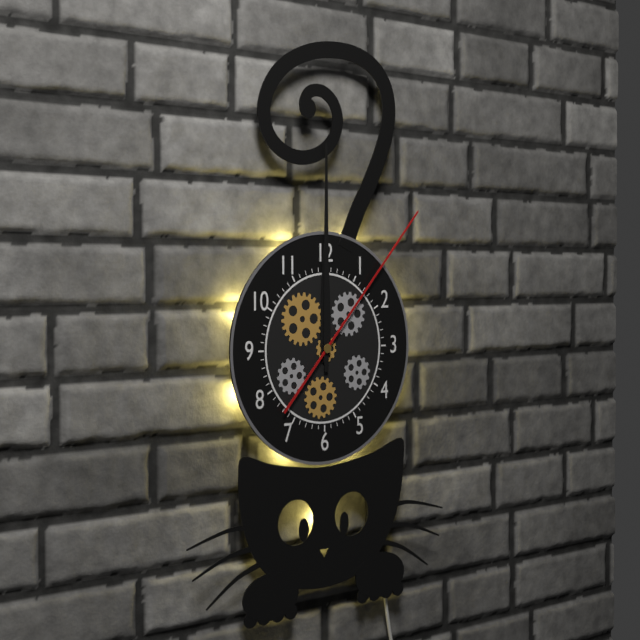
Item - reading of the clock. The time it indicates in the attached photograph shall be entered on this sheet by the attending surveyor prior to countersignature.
12:00:07
